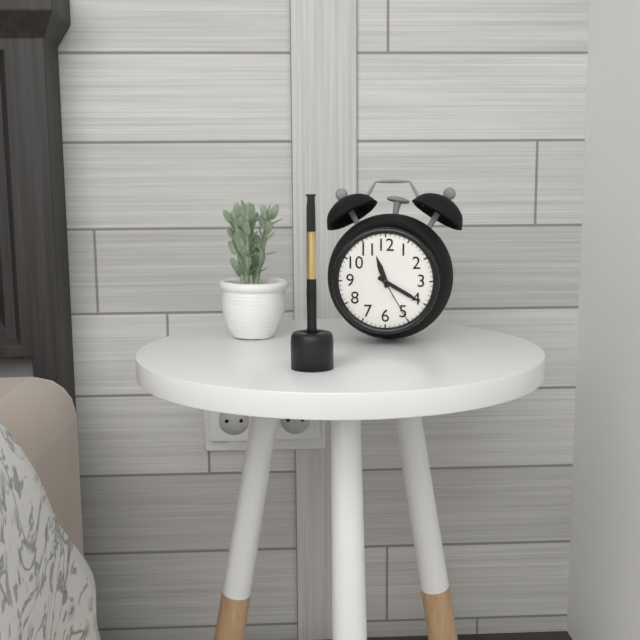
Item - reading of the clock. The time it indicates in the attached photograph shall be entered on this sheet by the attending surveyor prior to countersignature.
11:20:25
